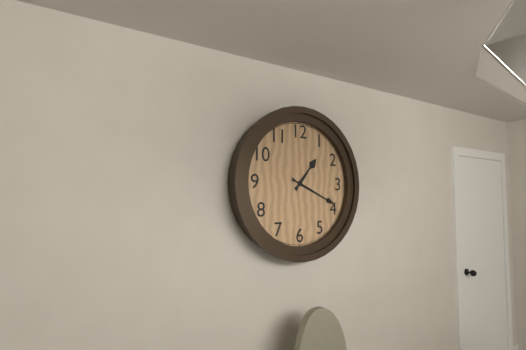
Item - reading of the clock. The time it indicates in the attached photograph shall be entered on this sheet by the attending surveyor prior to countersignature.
1:19
